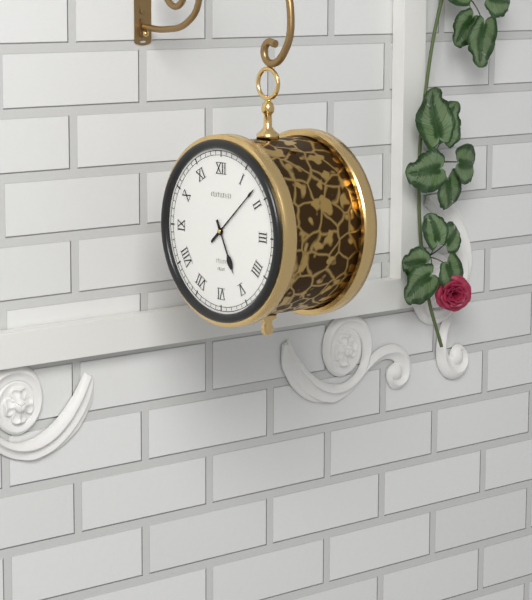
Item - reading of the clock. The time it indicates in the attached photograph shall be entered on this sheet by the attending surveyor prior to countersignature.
5:08
